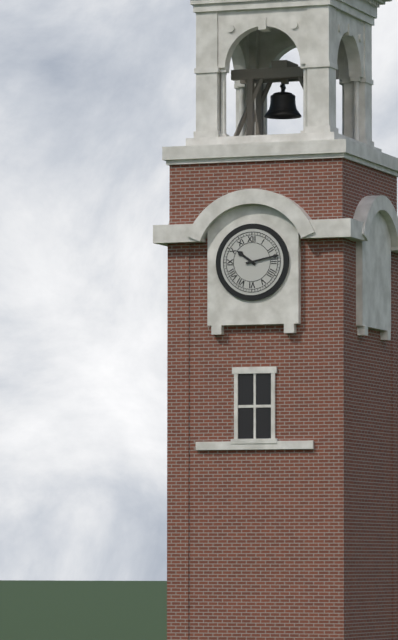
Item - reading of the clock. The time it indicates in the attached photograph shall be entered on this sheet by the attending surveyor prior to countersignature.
10:13
